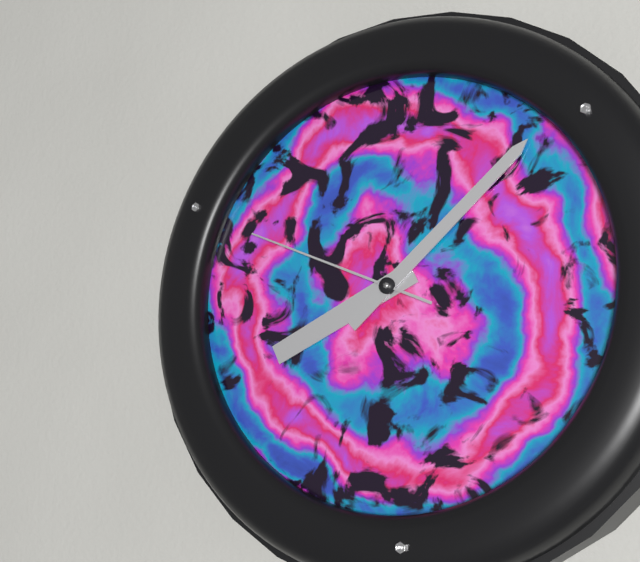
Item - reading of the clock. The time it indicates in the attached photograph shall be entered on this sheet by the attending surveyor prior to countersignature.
8:08:49
